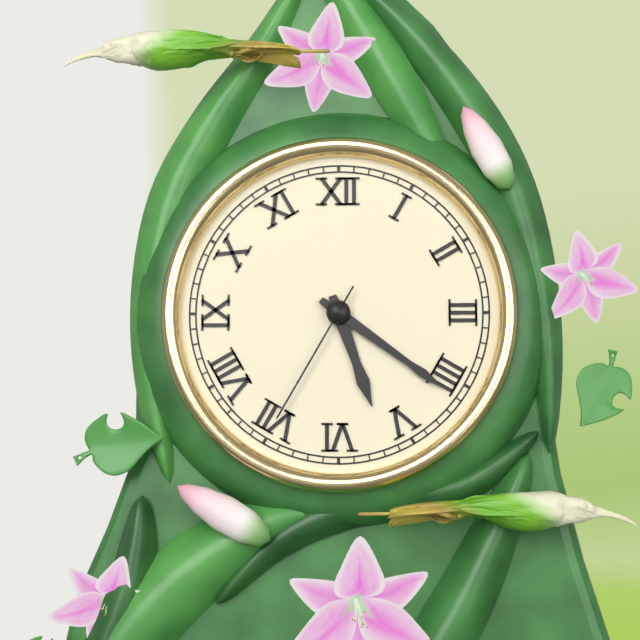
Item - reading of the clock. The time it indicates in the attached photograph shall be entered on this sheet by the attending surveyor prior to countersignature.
5:21:35
